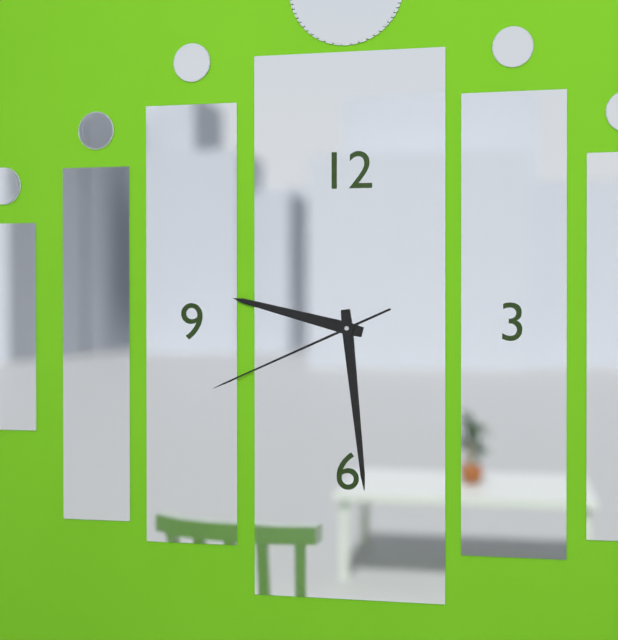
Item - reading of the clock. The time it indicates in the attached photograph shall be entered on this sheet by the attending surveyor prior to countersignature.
9:29:41
